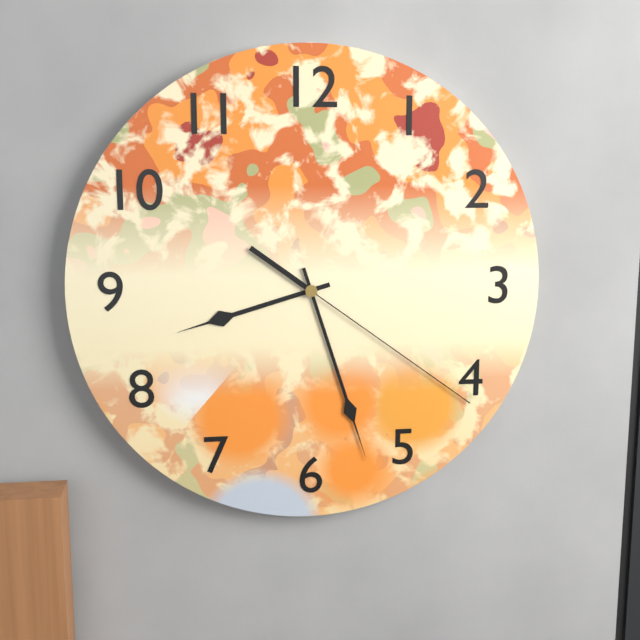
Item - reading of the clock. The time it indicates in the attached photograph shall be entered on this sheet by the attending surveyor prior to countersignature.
8:27:21
